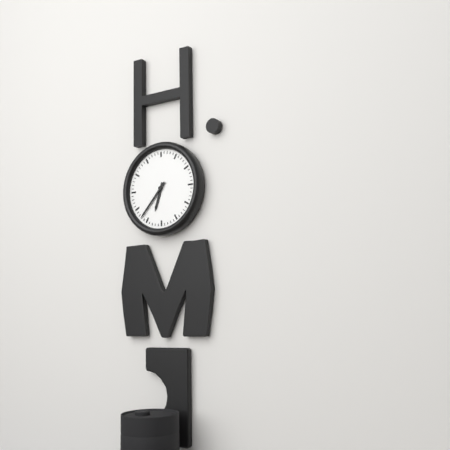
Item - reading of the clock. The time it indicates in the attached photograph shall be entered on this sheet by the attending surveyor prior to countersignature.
6:37
